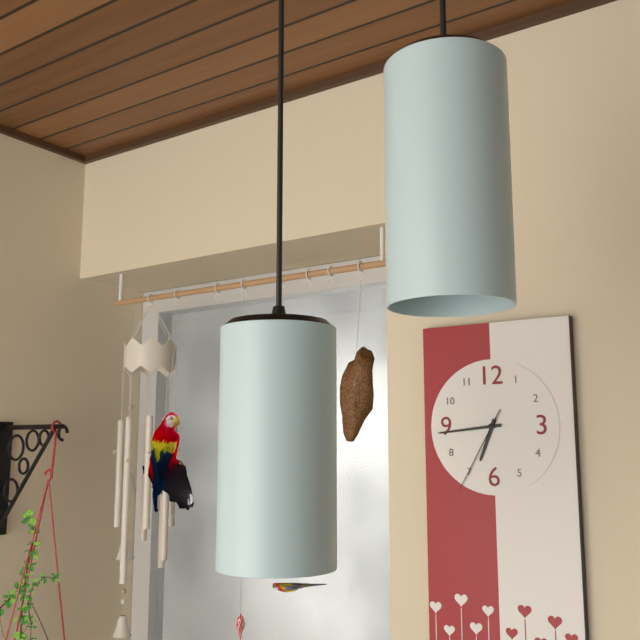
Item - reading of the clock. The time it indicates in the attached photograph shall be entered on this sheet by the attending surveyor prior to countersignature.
6:44:35
